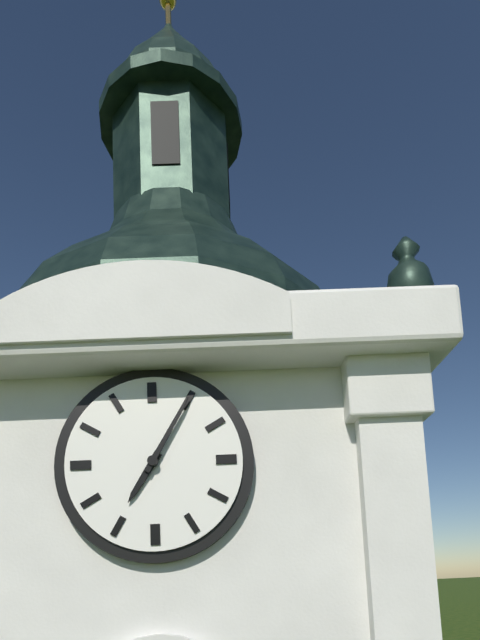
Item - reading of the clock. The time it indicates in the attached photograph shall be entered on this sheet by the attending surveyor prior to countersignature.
7:05
